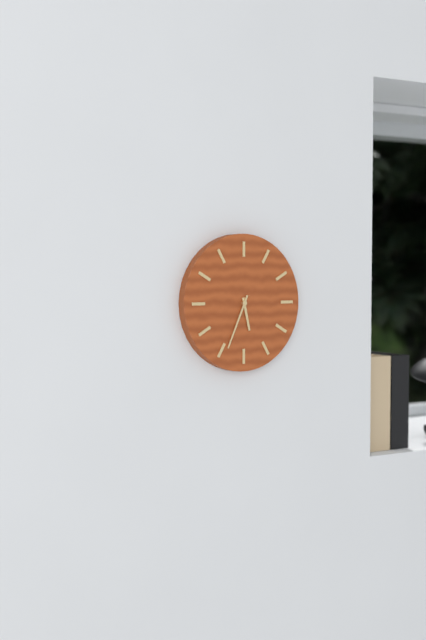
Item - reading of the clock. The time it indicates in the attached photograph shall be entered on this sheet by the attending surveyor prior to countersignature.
5:34
